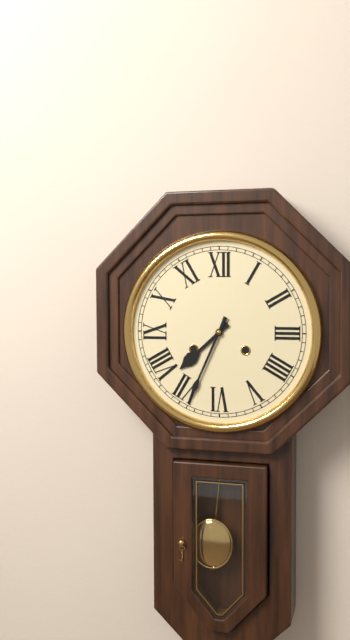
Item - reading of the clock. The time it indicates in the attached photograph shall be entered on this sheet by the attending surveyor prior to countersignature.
7:34
